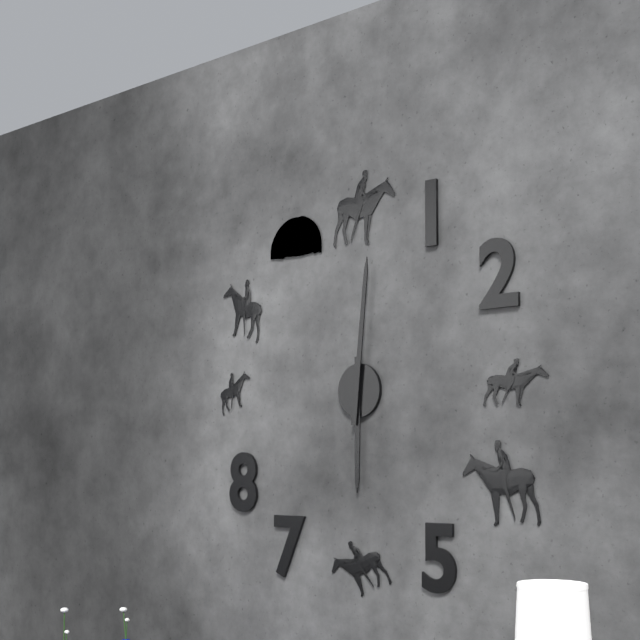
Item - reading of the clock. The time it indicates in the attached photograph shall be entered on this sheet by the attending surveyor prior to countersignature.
6:01
